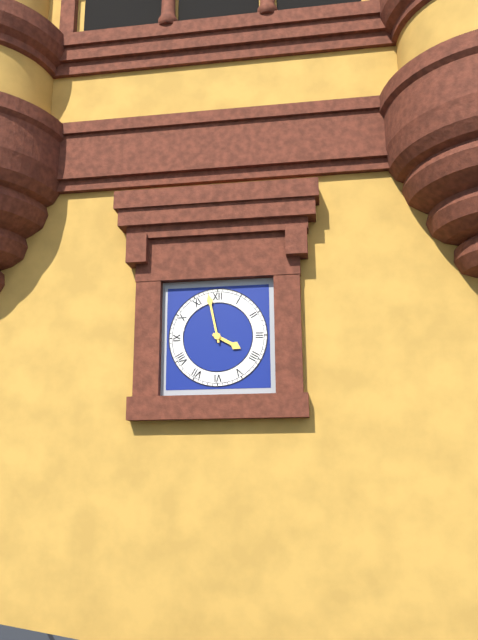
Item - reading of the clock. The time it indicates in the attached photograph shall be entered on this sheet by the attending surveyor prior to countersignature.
3:58
